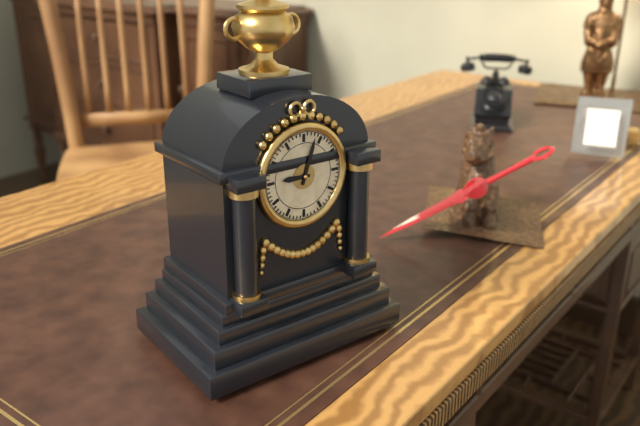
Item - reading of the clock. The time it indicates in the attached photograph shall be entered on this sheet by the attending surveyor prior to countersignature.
9:03
